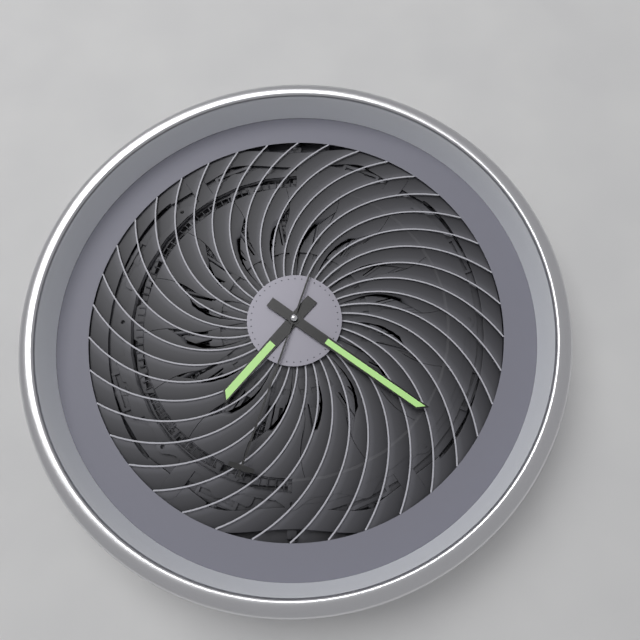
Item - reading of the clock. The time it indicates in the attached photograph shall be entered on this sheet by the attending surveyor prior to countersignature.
7:21:33
